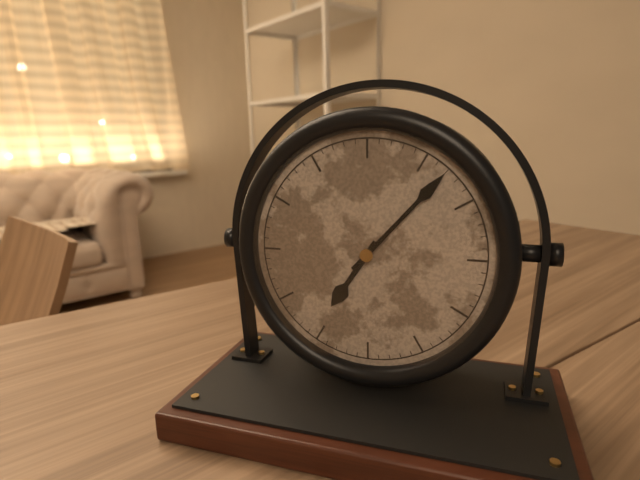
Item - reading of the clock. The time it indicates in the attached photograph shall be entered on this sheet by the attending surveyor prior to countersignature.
7:07
